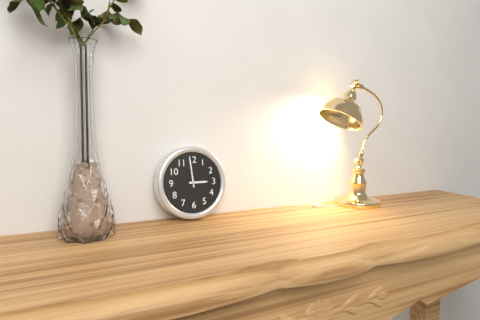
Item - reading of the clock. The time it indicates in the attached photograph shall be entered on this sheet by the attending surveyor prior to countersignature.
2:59
